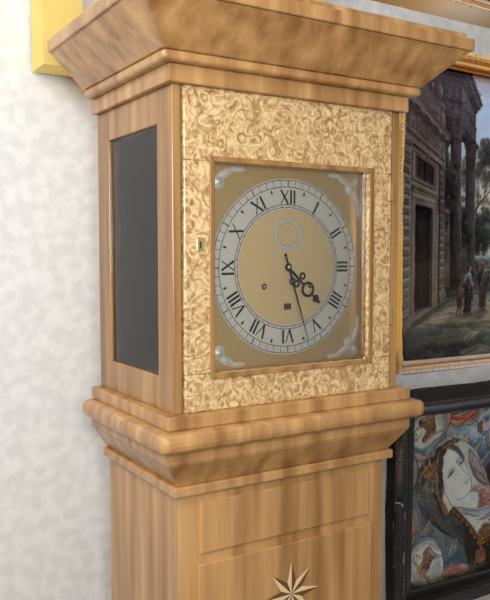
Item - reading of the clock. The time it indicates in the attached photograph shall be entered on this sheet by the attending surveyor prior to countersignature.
4:27
